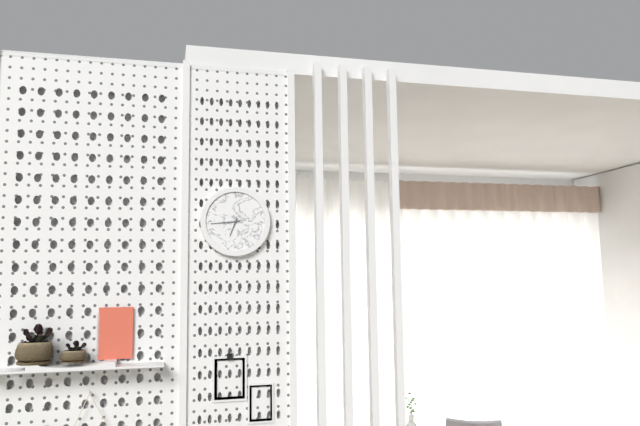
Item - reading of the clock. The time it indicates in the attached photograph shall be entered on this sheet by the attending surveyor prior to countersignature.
6:44
